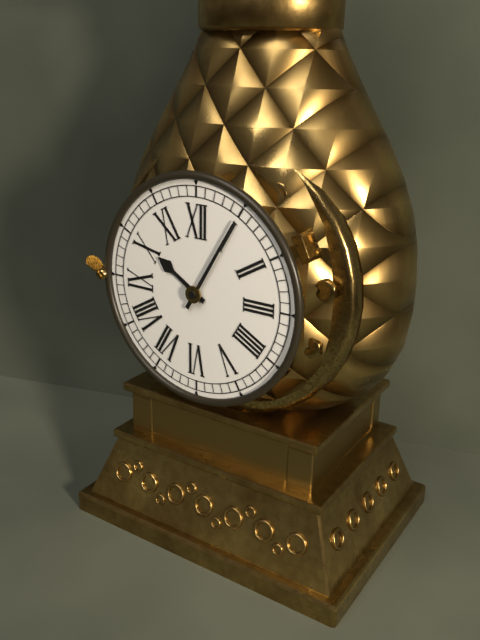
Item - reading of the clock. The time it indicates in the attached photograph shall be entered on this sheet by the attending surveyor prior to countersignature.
10:05
